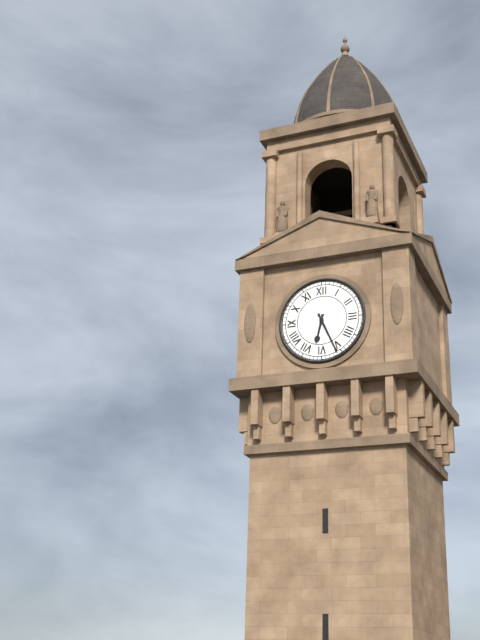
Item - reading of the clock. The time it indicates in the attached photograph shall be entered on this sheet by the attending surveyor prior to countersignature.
6:26
